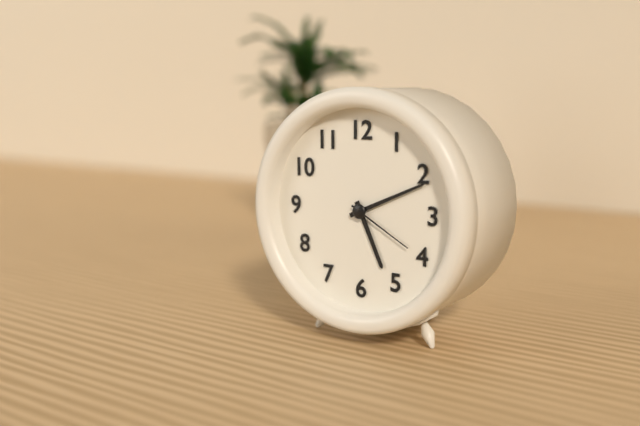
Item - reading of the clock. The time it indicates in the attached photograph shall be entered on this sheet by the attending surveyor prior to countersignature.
5:11:20
